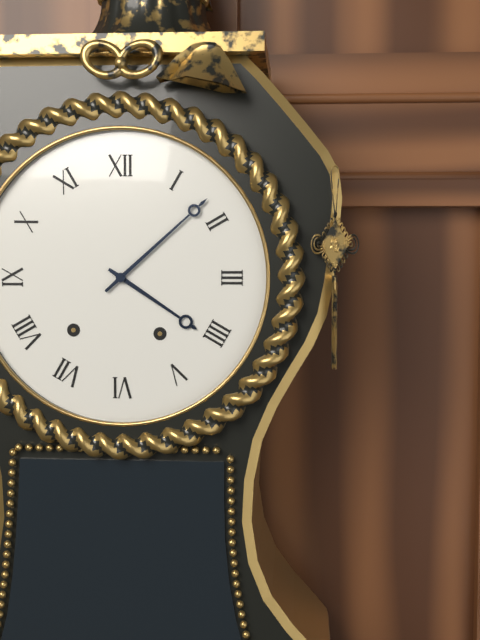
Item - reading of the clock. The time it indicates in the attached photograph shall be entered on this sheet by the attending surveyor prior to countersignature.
4:08
